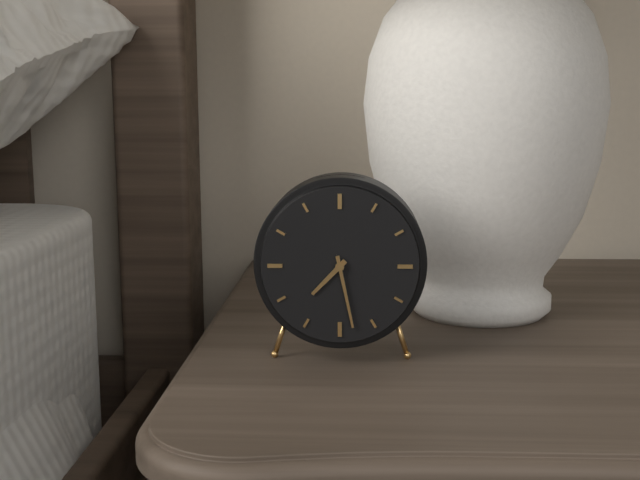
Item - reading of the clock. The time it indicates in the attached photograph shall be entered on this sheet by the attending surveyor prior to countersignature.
7:28
